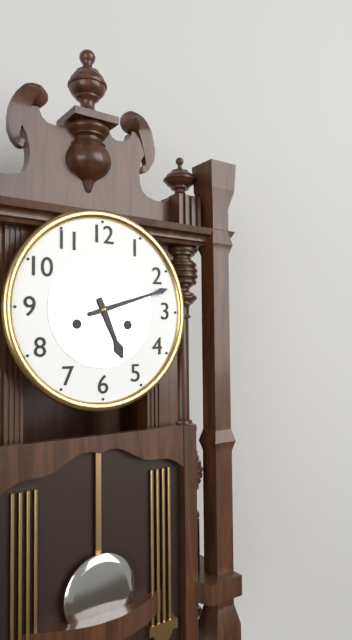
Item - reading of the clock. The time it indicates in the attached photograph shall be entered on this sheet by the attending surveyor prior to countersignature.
5:12
